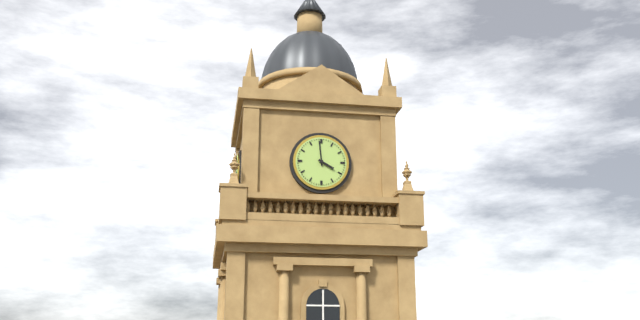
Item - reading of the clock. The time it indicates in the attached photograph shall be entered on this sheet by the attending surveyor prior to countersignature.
3:59
